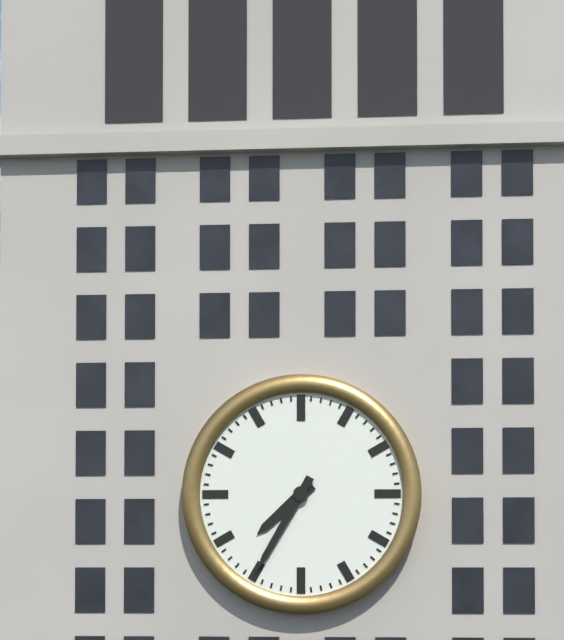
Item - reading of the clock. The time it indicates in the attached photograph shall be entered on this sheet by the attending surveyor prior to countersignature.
7:35
